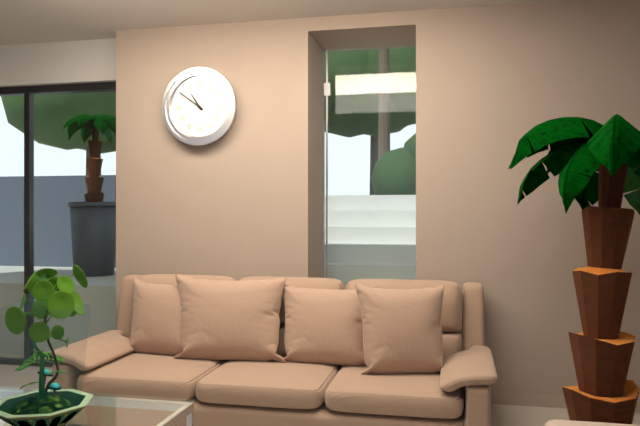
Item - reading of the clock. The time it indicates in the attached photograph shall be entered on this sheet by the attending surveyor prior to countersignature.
10:51
